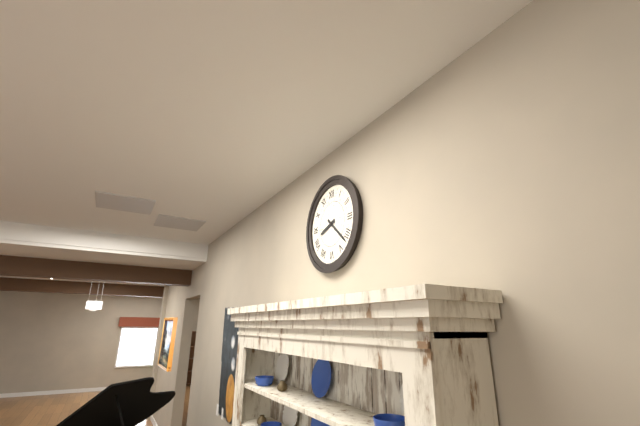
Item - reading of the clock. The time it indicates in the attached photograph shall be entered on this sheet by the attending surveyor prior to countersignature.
8:22
